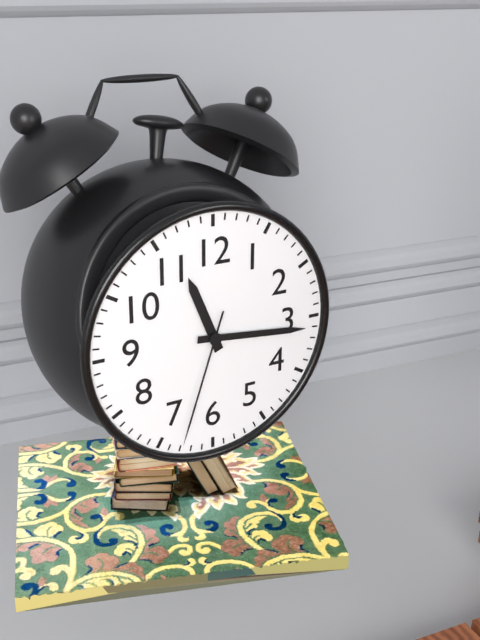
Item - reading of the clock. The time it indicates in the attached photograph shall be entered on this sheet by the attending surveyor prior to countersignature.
11:16:33
